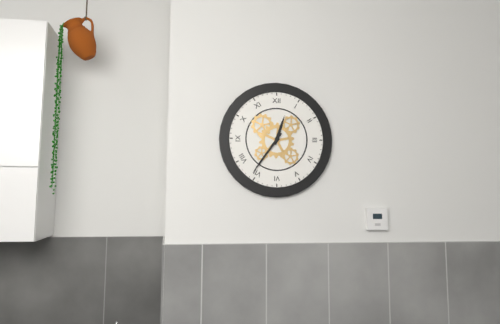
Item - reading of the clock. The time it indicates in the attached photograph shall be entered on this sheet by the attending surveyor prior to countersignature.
12:36
